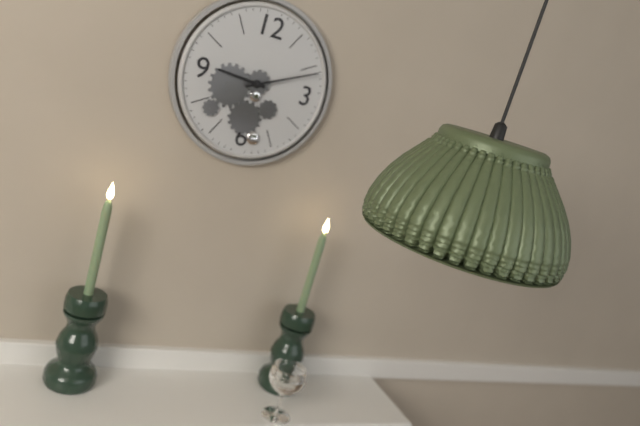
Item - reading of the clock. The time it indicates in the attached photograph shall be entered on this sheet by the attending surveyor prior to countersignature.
9:11
